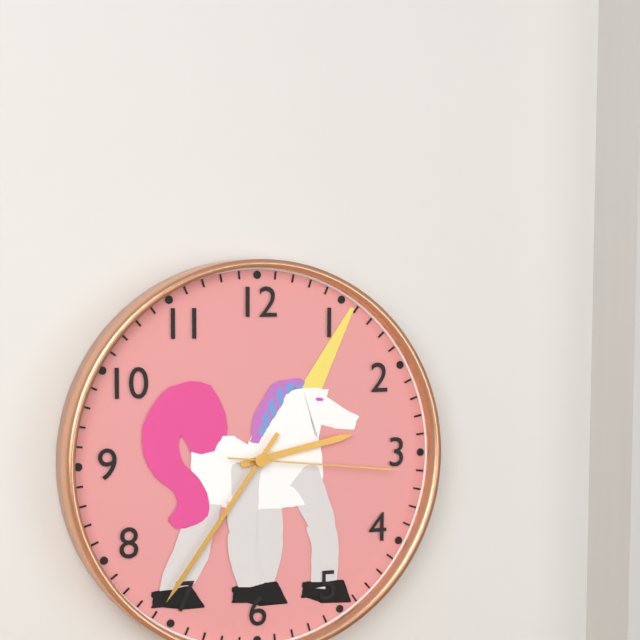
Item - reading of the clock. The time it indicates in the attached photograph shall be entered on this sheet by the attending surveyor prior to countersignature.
2:36:16
